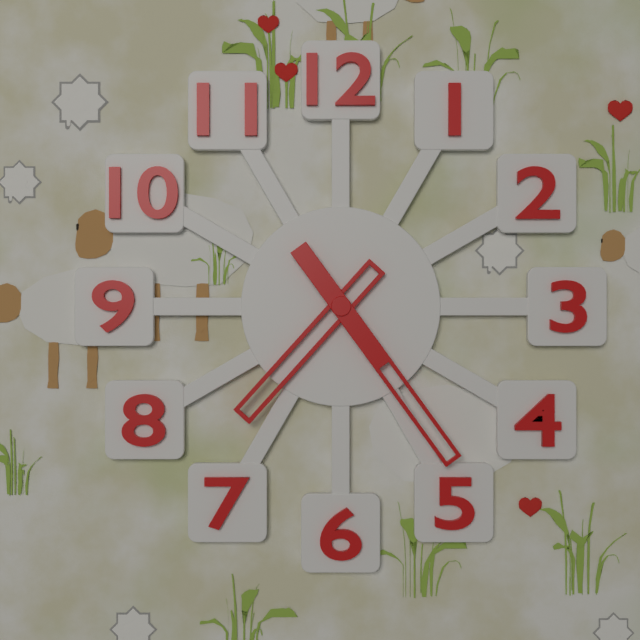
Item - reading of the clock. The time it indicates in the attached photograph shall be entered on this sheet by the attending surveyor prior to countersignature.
7:24
